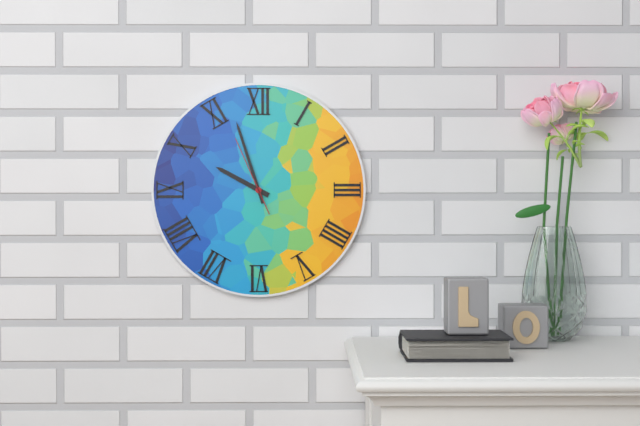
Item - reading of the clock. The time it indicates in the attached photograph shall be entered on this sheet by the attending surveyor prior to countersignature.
9:57:56
